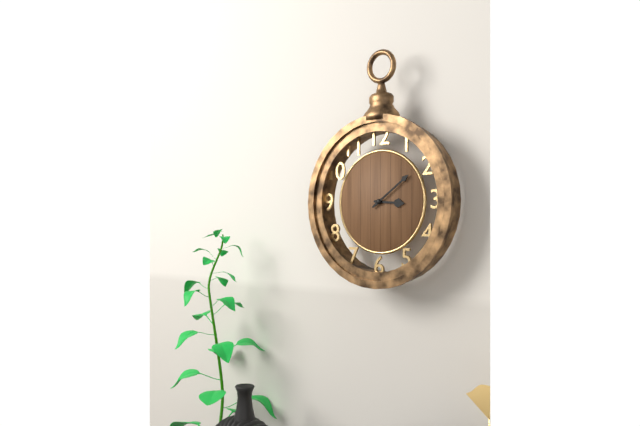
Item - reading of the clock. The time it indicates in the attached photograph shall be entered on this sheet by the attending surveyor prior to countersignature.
3:09
